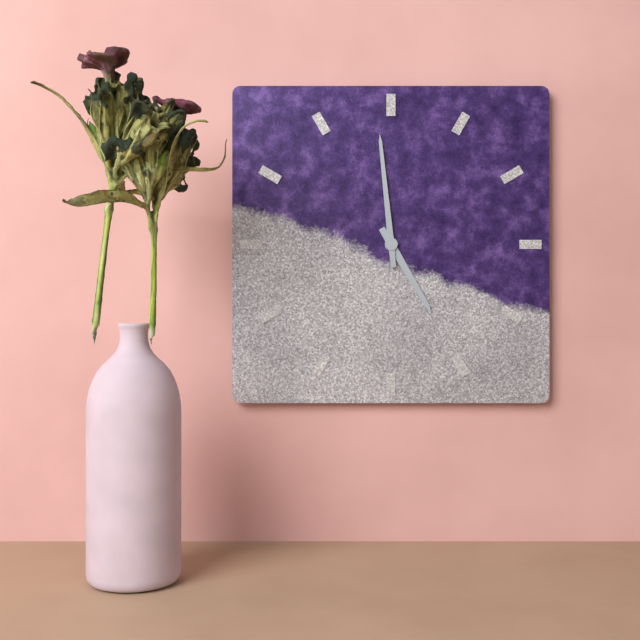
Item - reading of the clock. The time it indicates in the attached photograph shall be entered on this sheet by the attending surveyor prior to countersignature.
4:59
